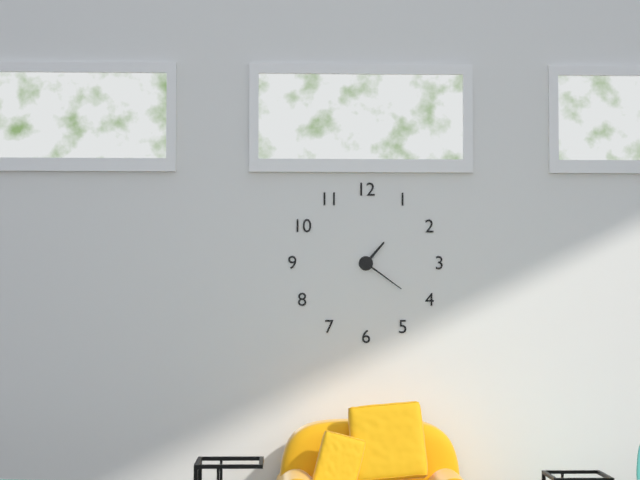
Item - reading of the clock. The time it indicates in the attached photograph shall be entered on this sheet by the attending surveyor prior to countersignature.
1:21
